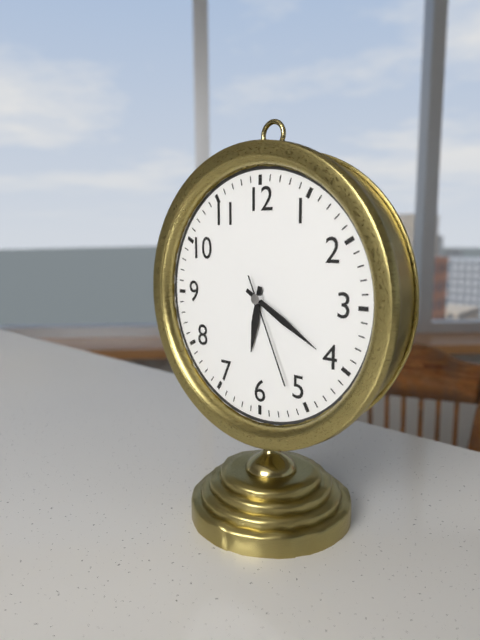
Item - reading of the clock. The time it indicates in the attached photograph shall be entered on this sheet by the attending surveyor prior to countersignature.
6:20:26
